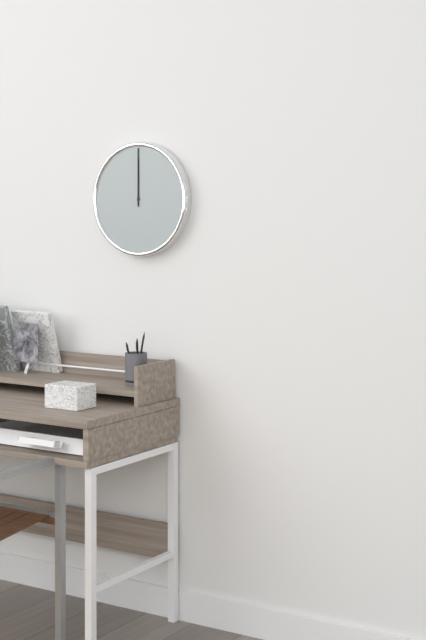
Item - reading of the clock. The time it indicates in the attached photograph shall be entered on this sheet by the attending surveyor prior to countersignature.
12:00
